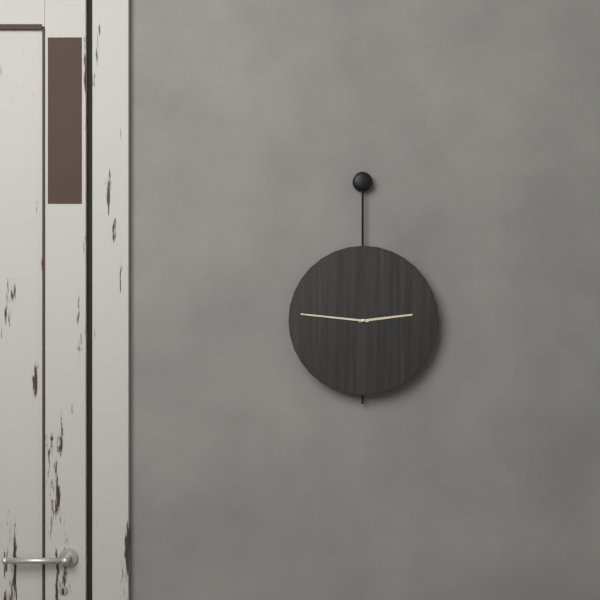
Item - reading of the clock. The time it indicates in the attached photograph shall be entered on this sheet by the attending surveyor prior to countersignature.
2:46
